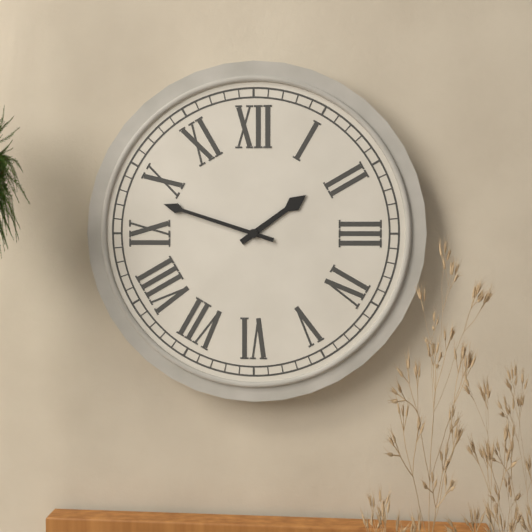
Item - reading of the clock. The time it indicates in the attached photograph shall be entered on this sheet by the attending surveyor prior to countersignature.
1:48
